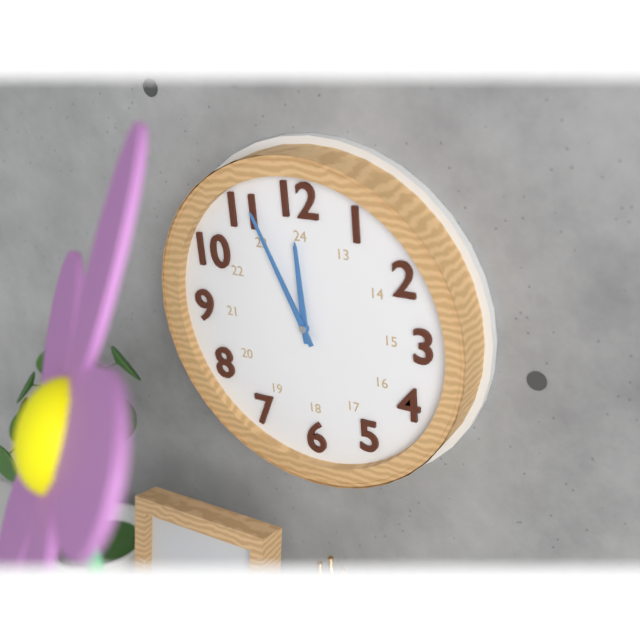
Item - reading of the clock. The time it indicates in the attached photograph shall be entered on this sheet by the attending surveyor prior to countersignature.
11:56
